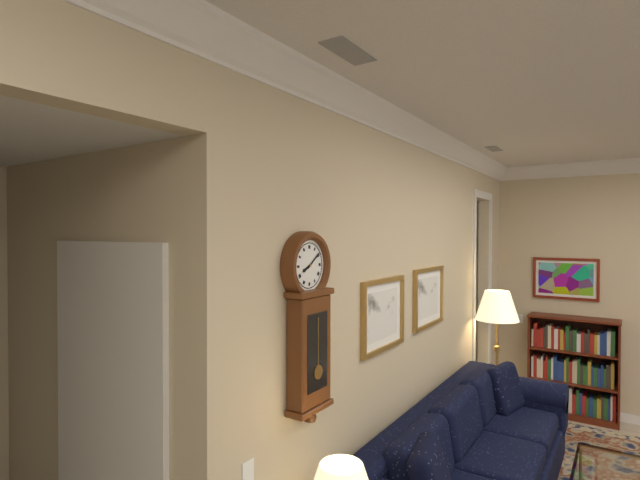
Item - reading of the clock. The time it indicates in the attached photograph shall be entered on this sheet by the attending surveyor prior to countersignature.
8:09
